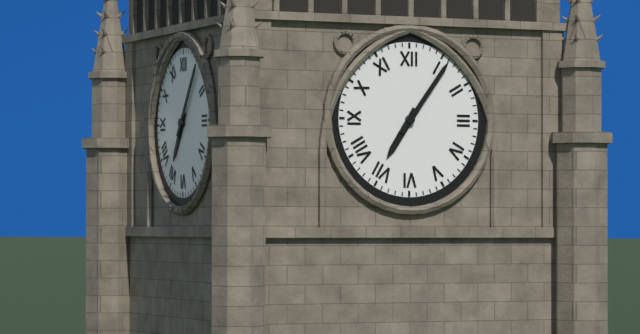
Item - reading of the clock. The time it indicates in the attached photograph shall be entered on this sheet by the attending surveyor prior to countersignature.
7:06
